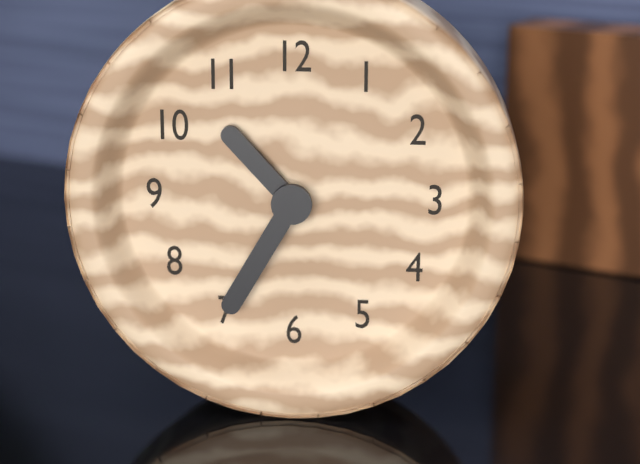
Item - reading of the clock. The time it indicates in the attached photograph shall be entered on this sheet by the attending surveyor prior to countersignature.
10:35
